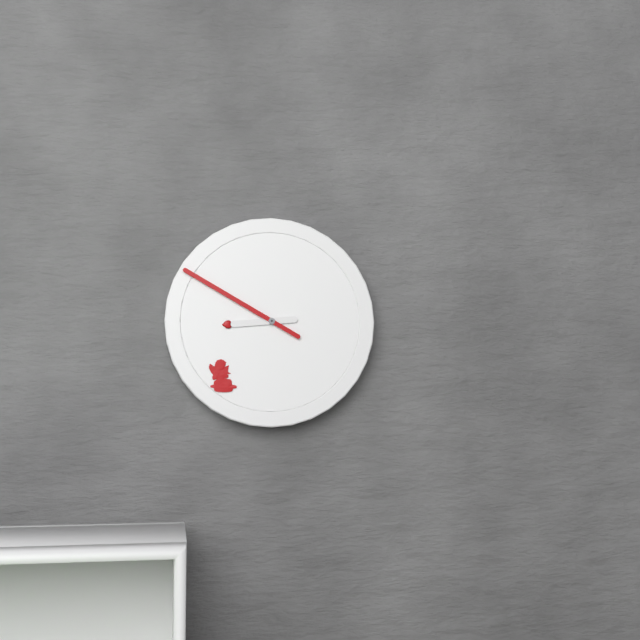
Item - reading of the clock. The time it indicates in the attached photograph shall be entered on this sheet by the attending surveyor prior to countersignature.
8:50
